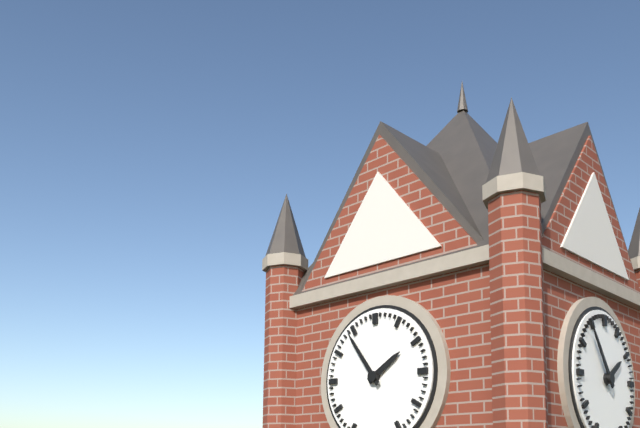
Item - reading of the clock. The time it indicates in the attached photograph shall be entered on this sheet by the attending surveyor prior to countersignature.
1:54
